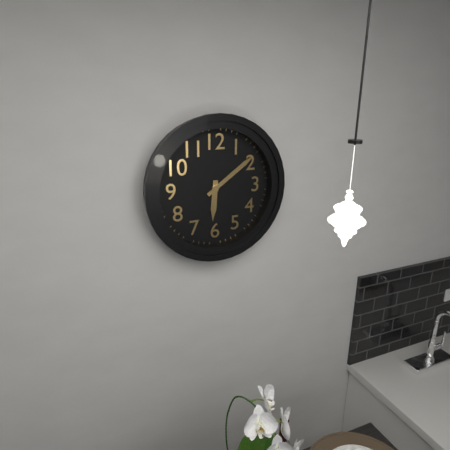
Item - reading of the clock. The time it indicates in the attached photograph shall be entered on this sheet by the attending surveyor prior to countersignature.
6:09
